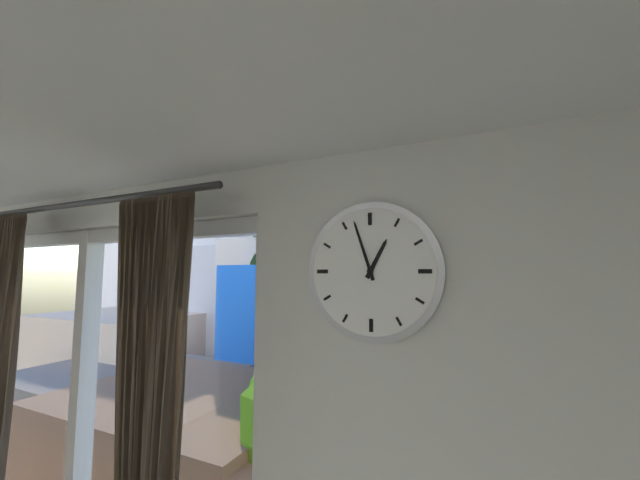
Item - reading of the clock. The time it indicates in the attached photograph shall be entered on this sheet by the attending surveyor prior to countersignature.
12:57
